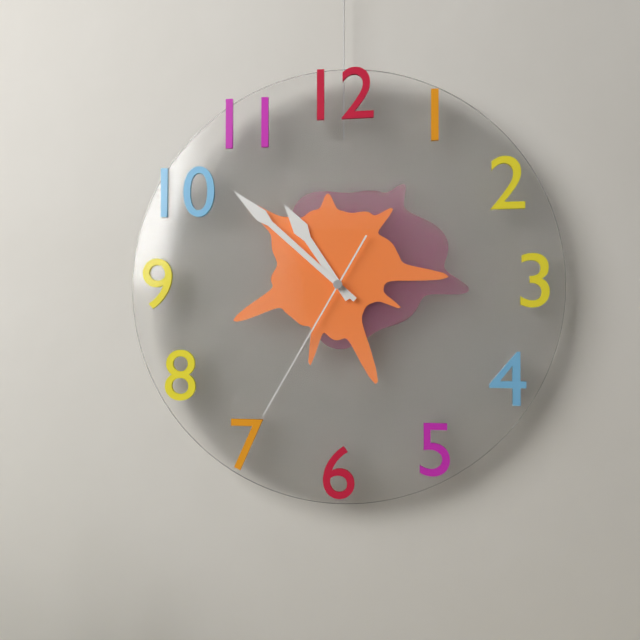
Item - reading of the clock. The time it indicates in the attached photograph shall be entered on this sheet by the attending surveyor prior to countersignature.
10:52:35
